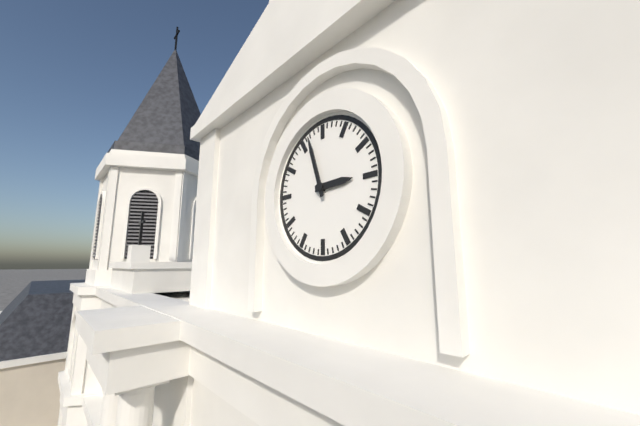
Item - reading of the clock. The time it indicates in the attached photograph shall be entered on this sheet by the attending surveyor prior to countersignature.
2:57
